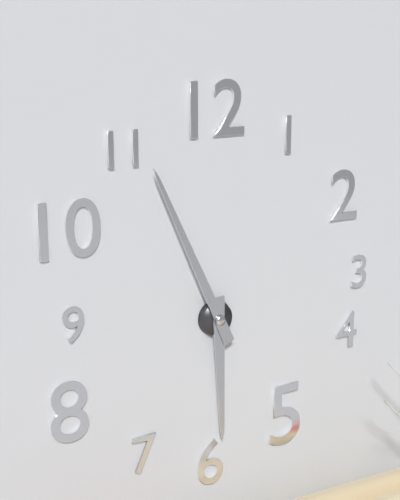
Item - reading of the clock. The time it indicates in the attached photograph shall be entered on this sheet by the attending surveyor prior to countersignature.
5:56
